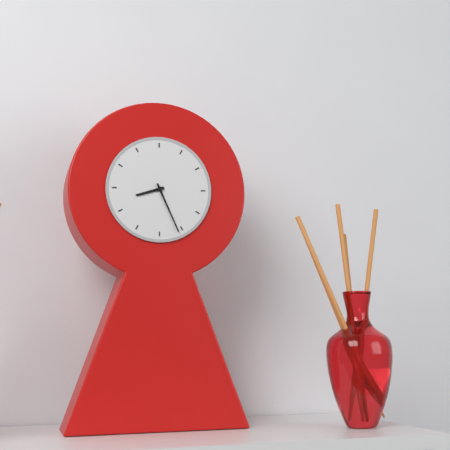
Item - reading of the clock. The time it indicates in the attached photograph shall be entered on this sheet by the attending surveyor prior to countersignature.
8:26
